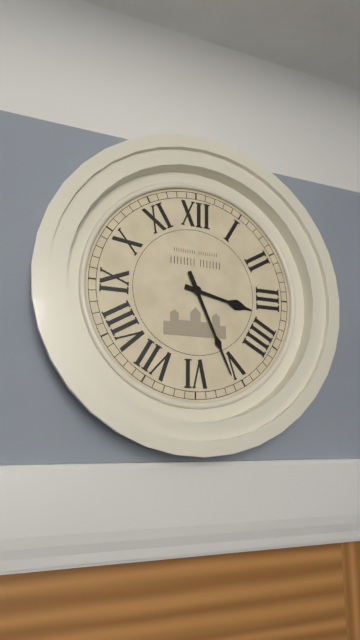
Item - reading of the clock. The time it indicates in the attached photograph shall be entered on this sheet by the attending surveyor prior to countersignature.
3:26
